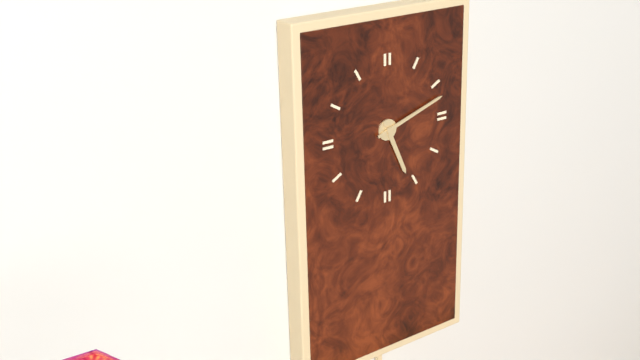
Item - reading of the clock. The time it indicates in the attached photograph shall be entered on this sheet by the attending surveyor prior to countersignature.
5:12
